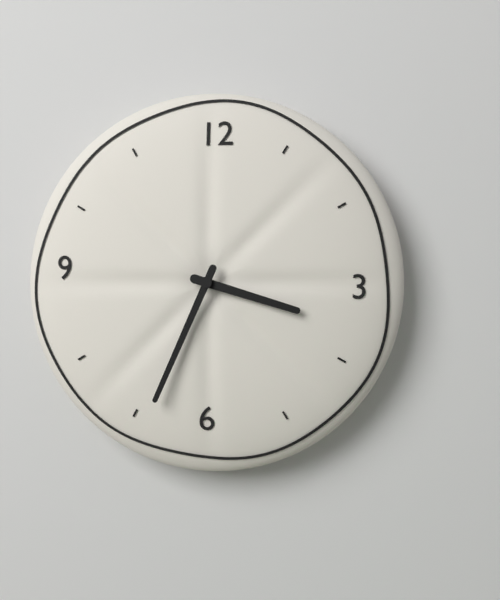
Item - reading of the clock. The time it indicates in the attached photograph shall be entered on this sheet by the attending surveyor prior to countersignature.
3:34
